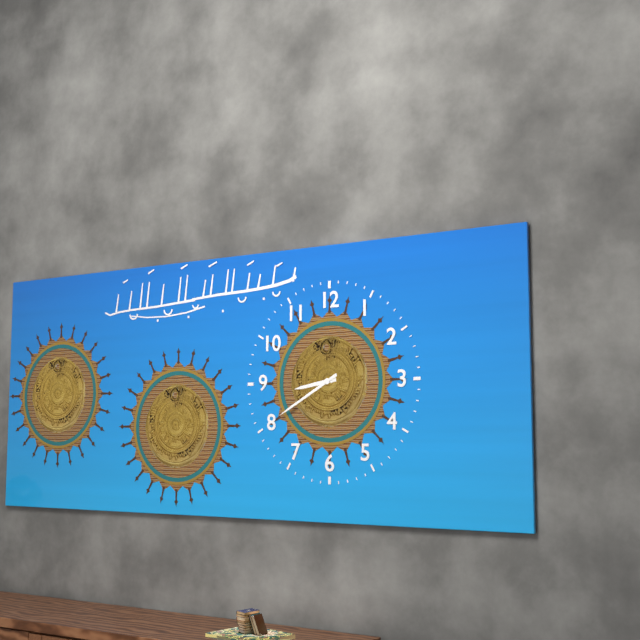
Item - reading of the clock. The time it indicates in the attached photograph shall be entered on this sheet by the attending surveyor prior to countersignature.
8:40
